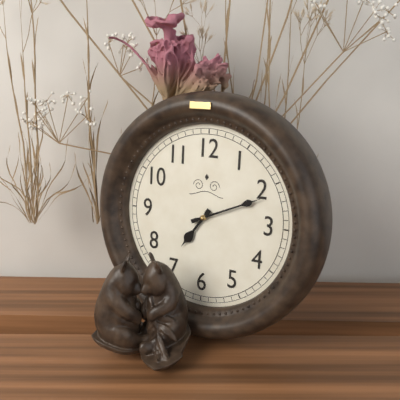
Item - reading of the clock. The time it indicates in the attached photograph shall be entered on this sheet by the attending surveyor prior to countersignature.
7:11
